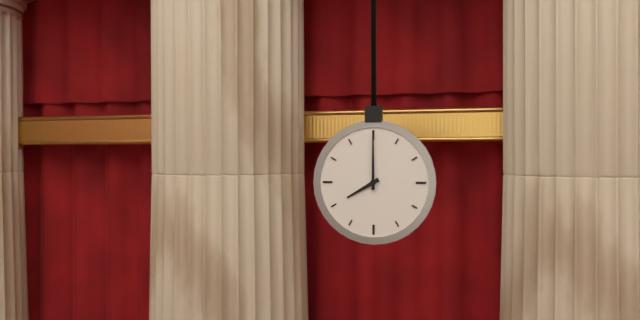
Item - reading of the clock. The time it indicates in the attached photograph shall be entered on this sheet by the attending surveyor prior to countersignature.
8:00
